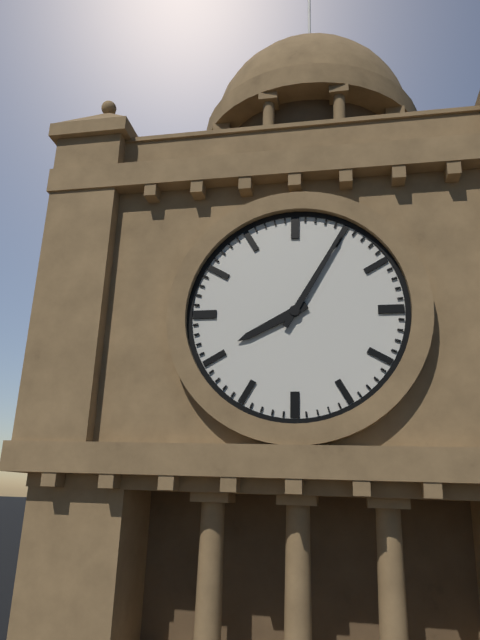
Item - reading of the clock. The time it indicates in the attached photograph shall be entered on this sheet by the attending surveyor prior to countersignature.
8:05
